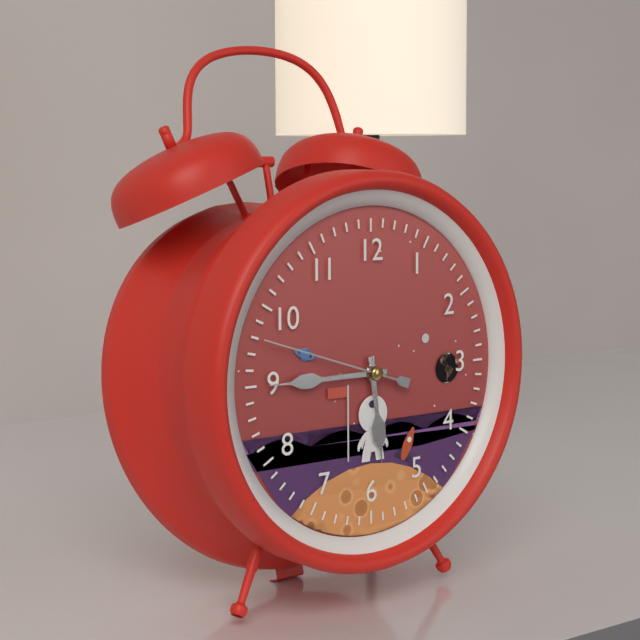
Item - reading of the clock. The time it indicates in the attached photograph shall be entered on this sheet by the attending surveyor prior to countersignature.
5:45:48
